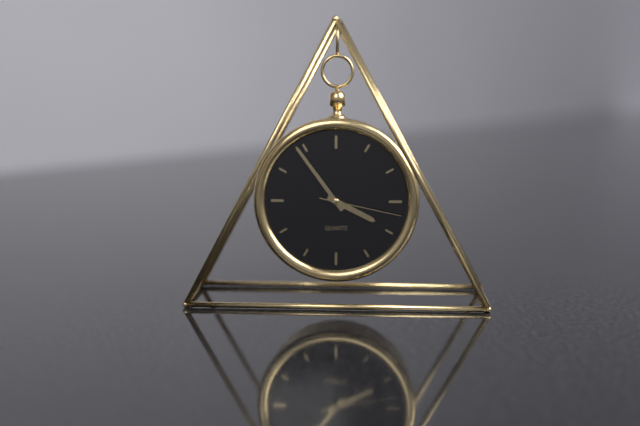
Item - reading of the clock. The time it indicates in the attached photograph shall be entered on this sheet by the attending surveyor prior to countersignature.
3:54:17
